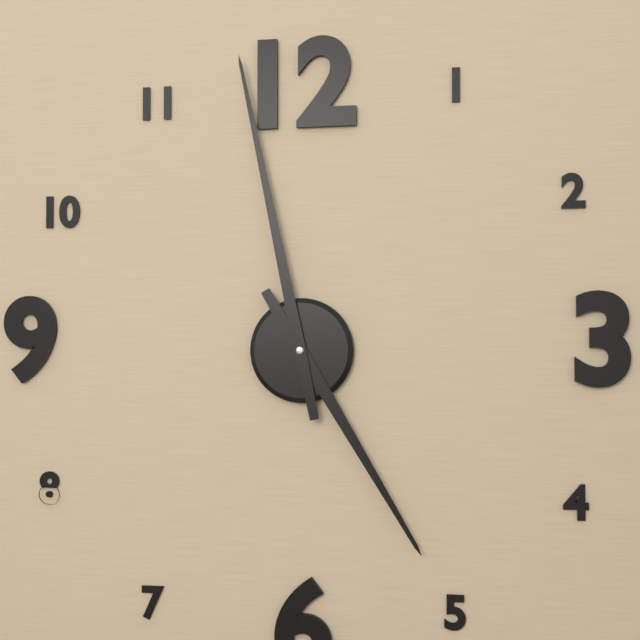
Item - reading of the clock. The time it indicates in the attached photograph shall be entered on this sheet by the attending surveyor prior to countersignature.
4:58
